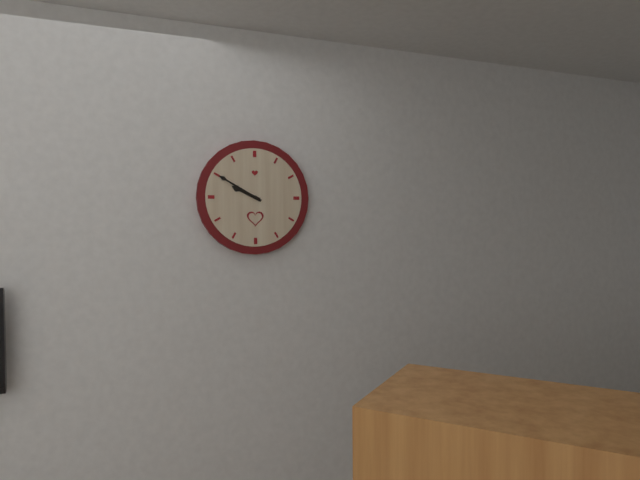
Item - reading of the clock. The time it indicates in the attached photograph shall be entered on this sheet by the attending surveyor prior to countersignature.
9:50
